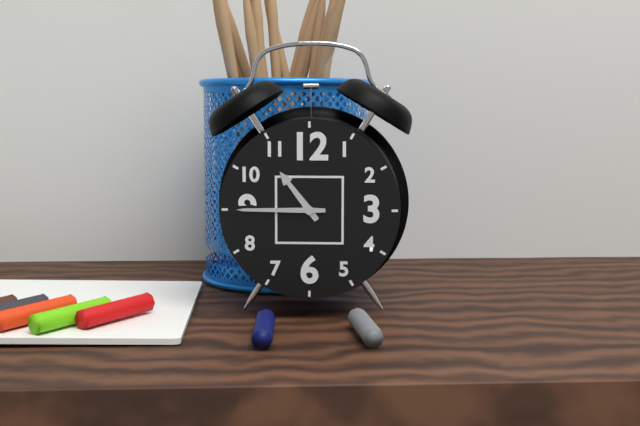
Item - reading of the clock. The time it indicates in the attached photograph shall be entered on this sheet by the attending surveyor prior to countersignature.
10:45
